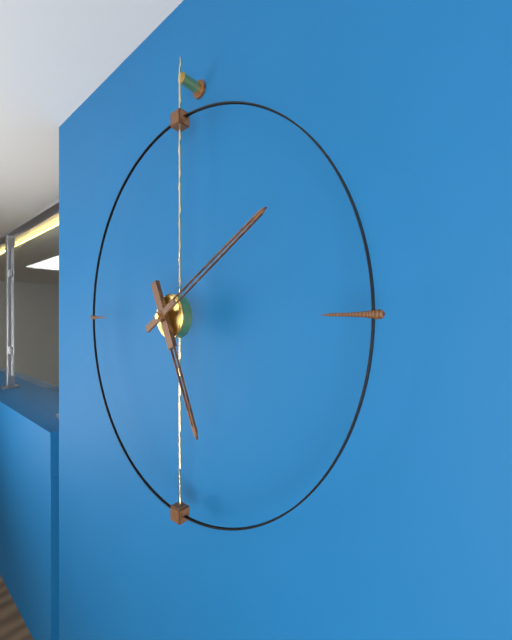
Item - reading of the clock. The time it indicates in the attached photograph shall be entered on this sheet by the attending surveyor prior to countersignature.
5:10
